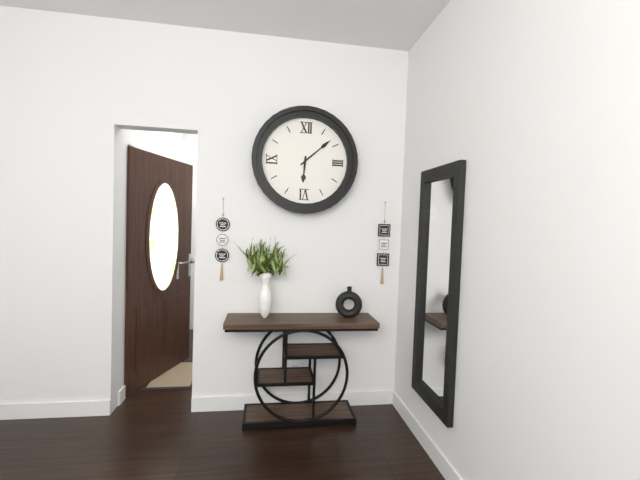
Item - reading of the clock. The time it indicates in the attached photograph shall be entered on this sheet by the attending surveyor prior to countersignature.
6:08
